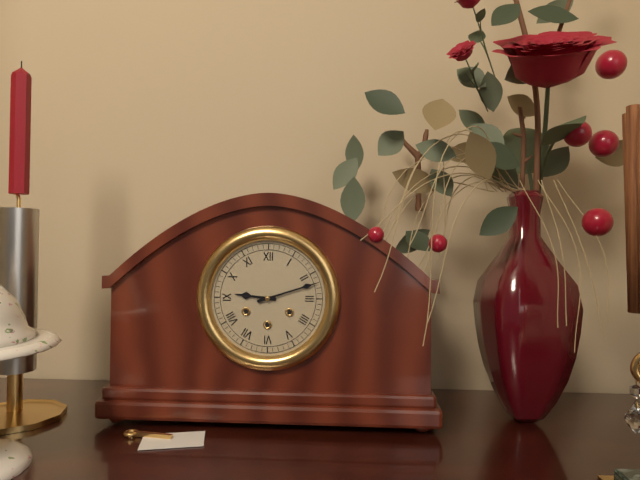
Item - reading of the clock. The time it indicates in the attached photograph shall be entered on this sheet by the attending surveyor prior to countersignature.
9:12
